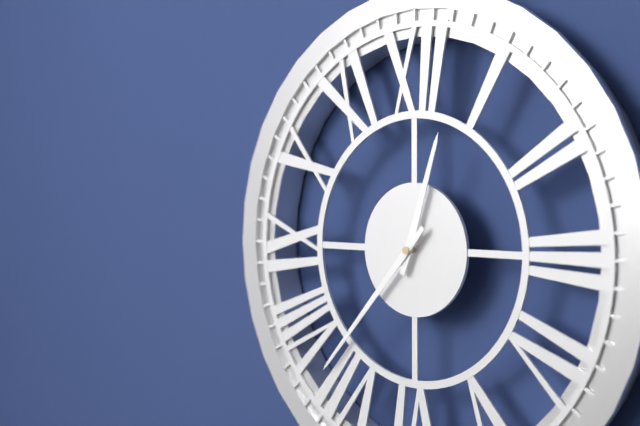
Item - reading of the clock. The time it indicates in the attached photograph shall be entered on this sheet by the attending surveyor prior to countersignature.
12:37
